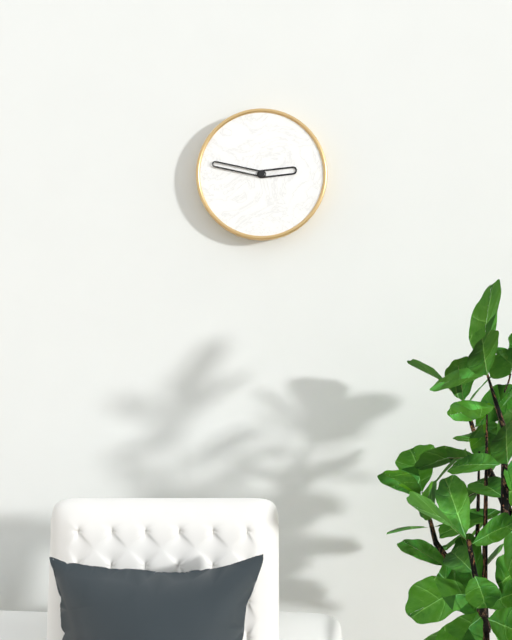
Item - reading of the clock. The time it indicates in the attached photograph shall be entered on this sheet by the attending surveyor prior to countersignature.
2:47
